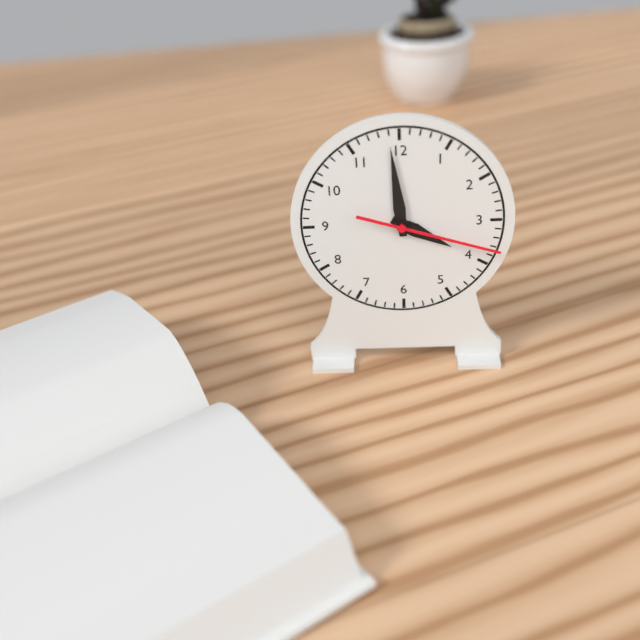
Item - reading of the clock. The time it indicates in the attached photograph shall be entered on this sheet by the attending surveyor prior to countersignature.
3:59:18
